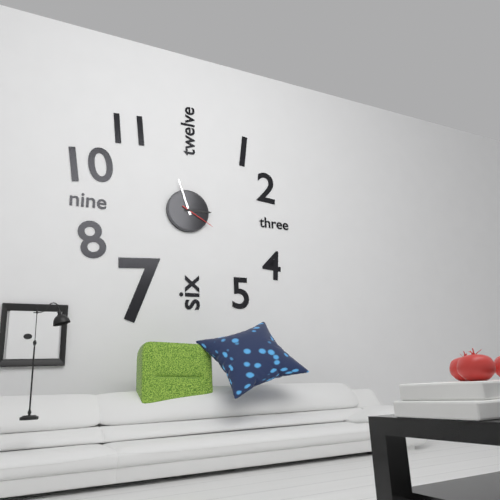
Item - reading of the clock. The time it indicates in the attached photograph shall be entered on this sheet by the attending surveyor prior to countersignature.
2:57
